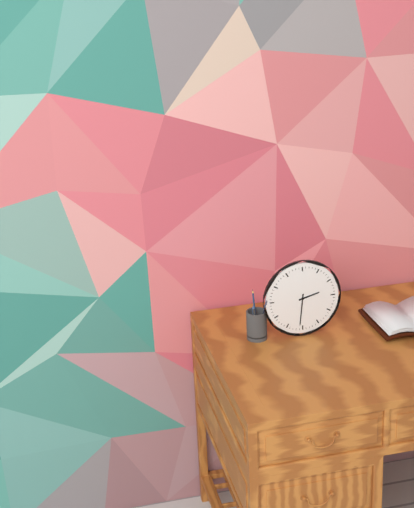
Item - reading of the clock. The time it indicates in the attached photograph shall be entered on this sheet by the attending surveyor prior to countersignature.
2:31
